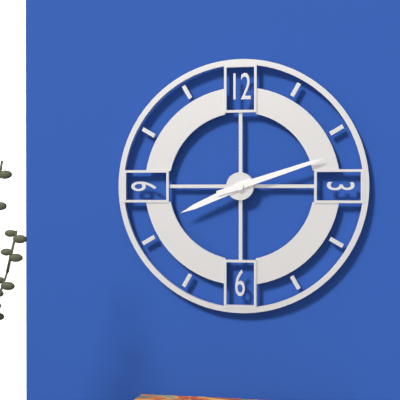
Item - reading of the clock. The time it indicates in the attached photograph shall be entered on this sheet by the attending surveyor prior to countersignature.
8:12
